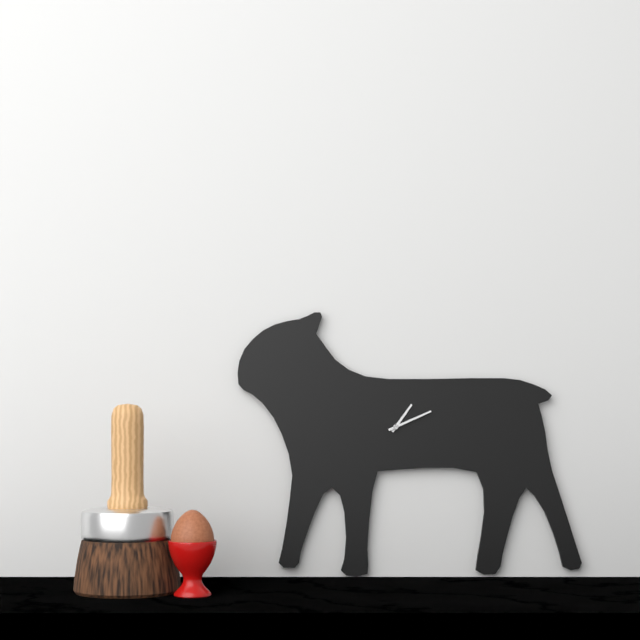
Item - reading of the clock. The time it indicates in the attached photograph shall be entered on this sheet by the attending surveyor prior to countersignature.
1:11
